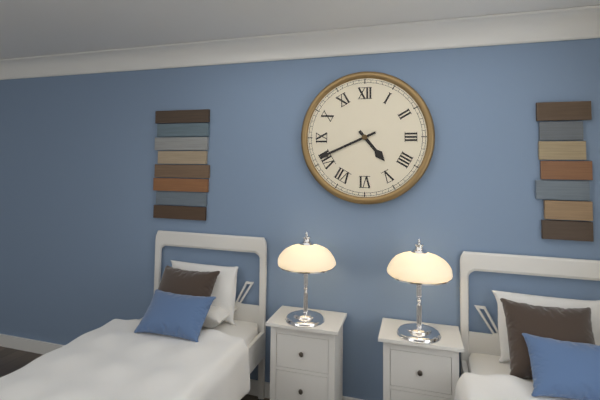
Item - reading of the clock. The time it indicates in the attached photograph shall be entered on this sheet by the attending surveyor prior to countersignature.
4:41
